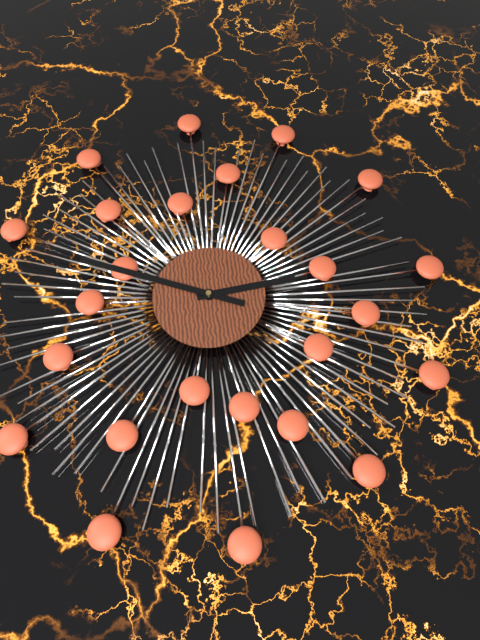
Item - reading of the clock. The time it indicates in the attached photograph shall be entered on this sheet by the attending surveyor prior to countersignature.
2:49
